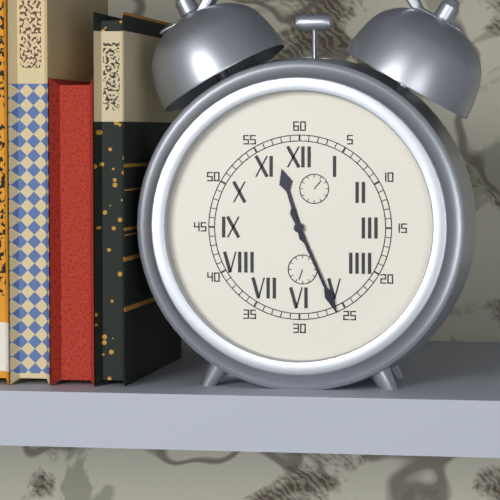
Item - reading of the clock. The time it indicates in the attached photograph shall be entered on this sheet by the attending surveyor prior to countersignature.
11:26
